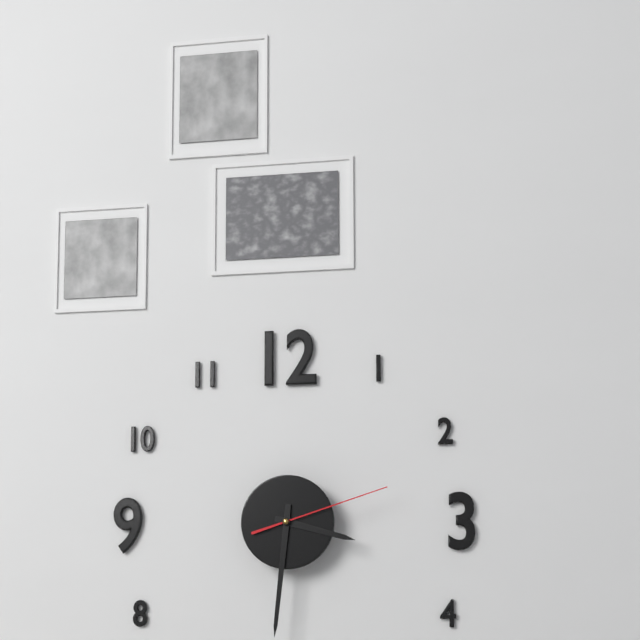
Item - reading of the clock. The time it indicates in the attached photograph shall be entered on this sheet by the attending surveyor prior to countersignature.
3:31:12
